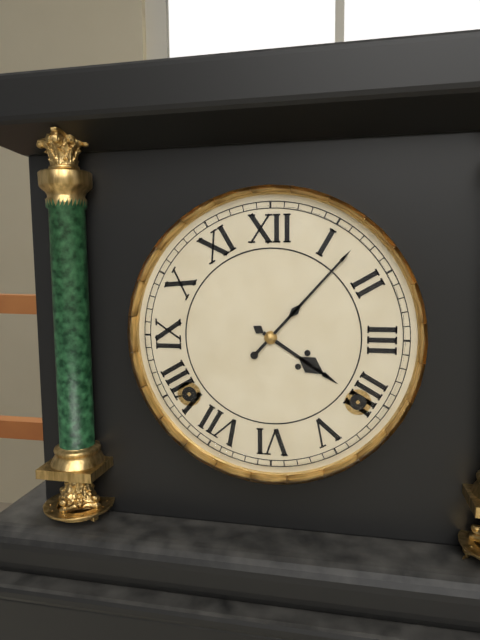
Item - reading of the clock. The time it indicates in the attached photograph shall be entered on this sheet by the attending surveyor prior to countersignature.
4:07
